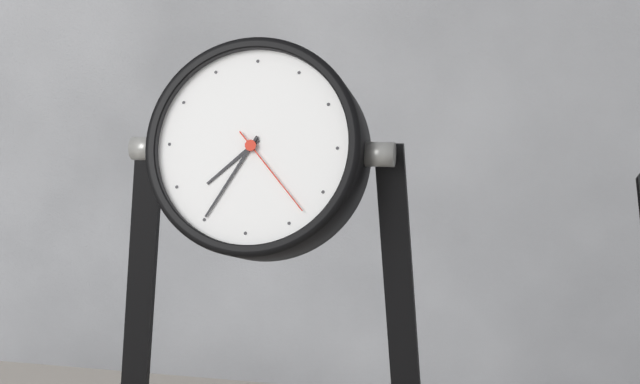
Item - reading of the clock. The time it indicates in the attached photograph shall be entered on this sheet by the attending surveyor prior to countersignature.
7:35:23
